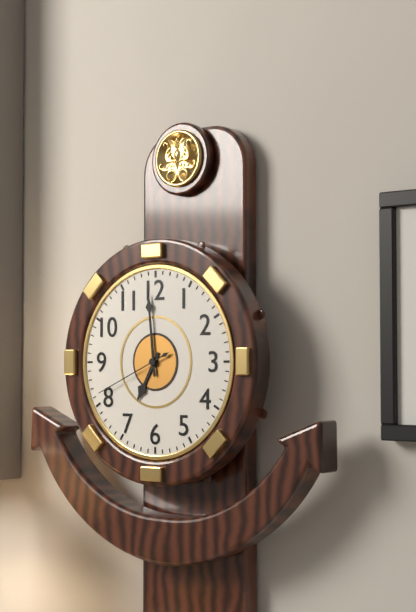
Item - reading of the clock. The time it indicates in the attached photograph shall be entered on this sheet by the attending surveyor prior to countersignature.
6:59:41
